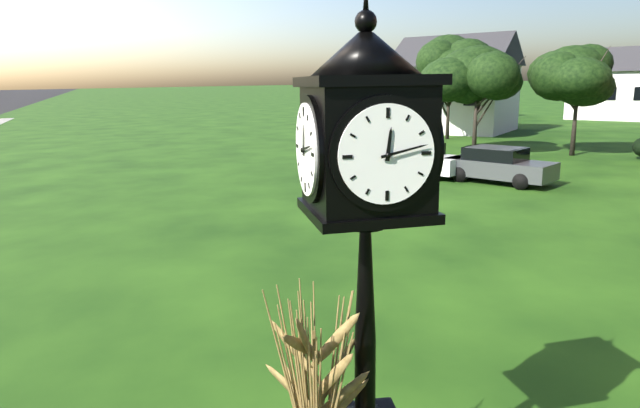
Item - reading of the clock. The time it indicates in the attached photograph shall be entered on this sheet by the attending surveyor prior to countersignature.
12:13
